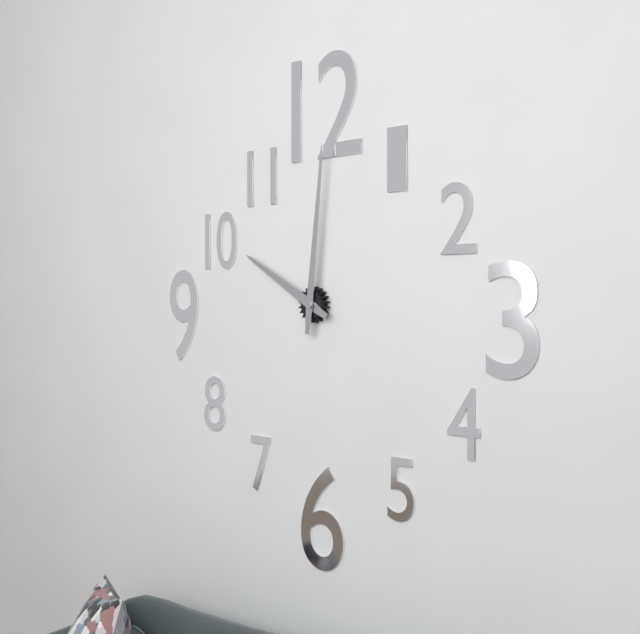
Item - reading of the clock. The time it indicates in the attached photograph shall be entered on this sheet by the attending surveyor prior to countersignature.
10:01
